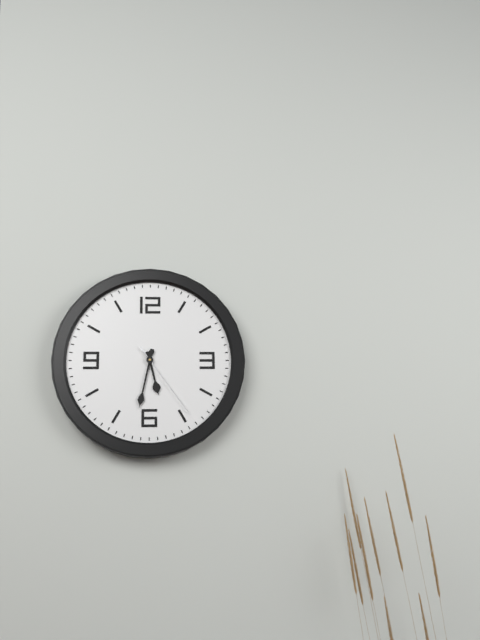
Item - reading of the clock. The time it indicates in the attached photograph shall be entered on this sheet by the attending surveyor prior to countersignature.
5:32:24
